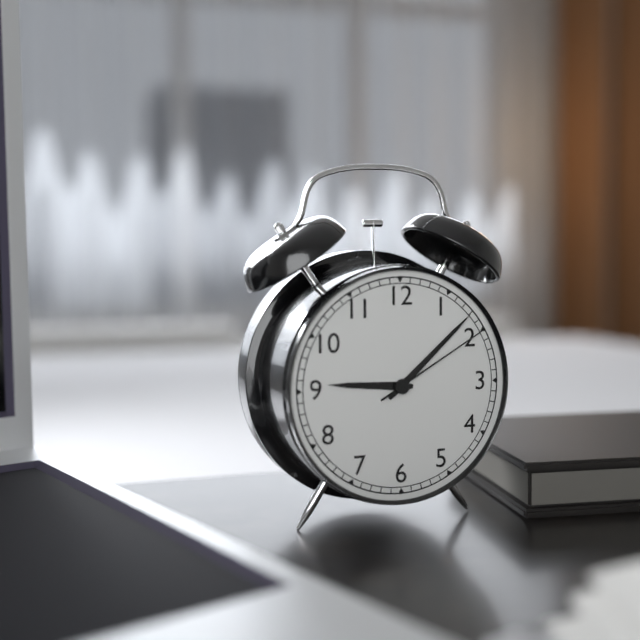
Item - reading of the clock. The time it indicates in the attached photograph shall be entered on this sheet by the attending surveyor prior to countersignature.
9:08:10
